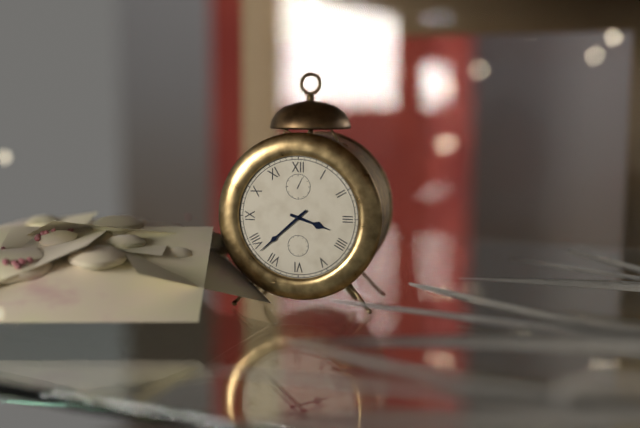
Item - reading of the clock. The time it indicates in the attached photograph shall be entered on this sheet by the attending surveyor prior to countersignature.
3:38
